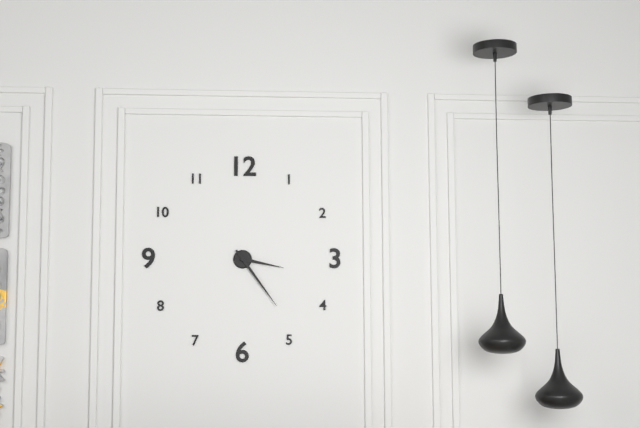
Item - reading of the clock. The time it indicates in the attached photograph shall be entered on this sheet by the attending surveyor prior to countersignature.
3:24
